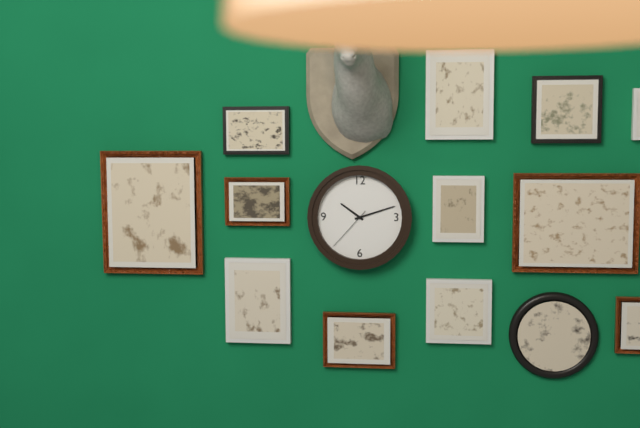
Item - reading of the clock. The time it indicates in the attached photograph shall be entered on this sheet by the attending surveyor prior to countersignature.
10:12:37
